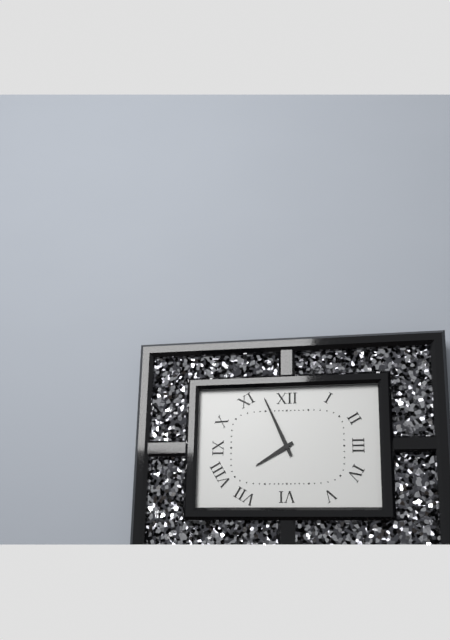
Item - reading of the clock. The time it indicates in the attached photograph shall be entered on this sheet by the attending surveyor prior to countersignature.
7:56
